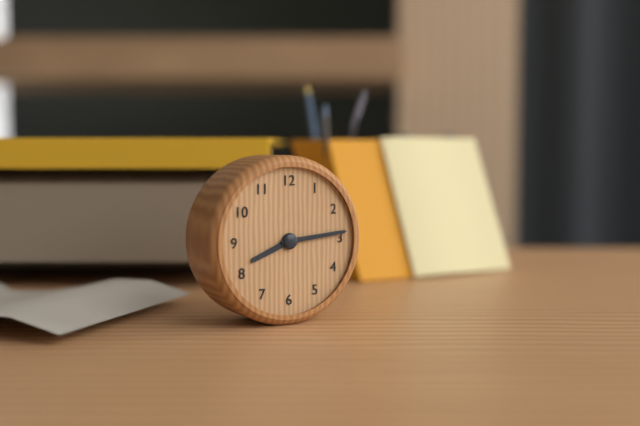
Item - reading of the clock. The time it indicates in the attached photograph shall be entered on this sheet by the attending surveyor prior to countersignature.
8:14
